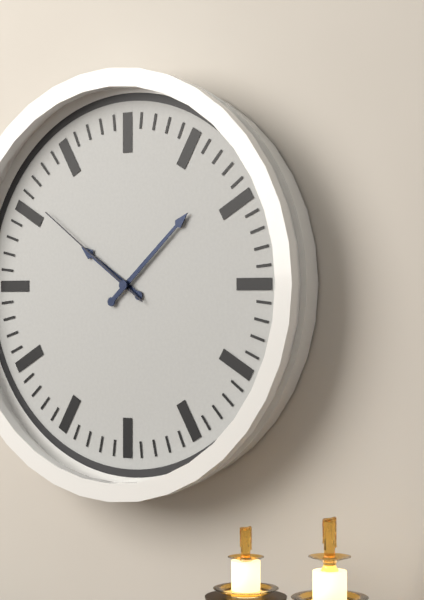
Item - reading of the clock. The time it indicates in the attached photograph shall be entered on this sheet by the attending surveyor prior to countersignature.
10:08:51
